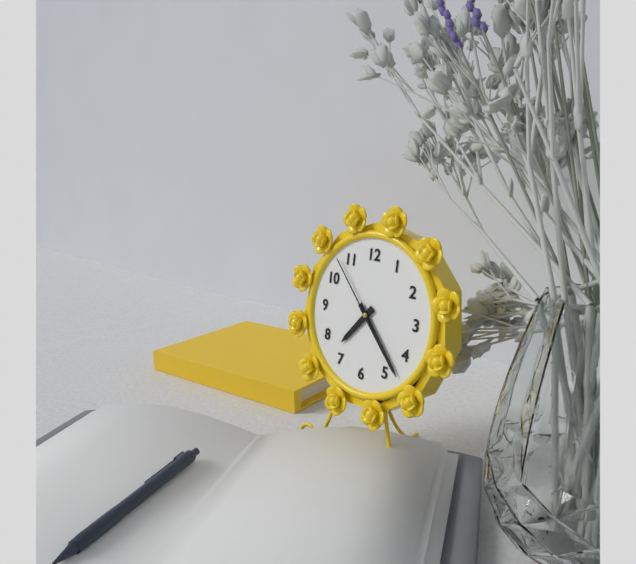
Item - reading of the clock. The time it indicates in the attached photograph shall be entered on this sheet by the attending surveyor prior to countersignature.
7:23:53
